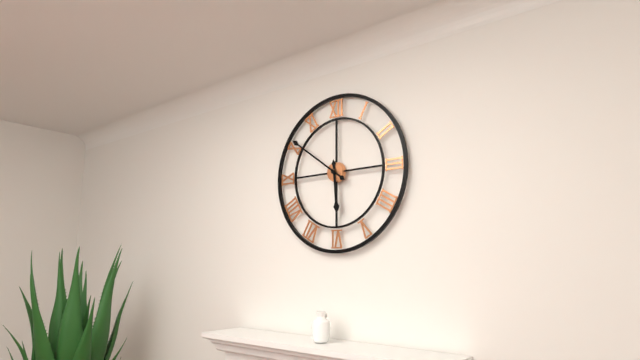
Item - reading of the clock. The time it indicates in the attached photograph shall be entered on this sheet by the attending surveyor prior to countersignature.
5:51
